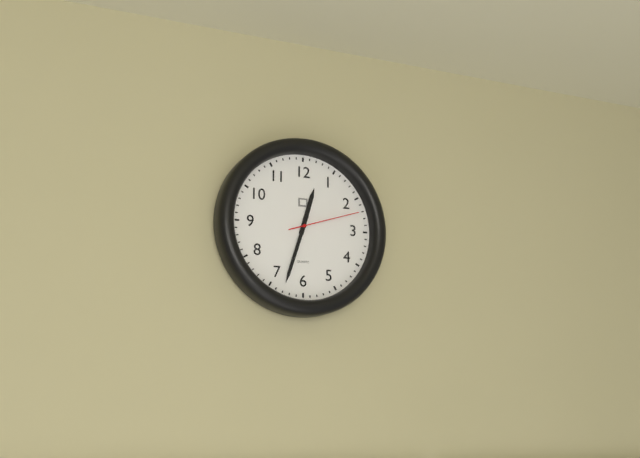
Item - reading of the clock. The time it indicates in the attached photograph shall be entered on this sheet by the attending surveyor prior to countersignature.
12:33:12
